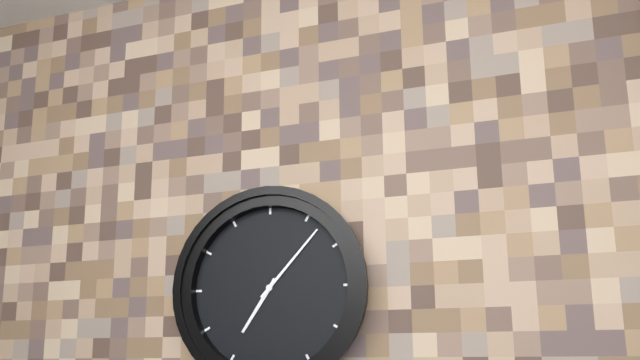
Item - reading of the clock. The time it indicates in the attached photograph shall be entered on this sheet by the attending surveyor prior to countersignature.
7:07
